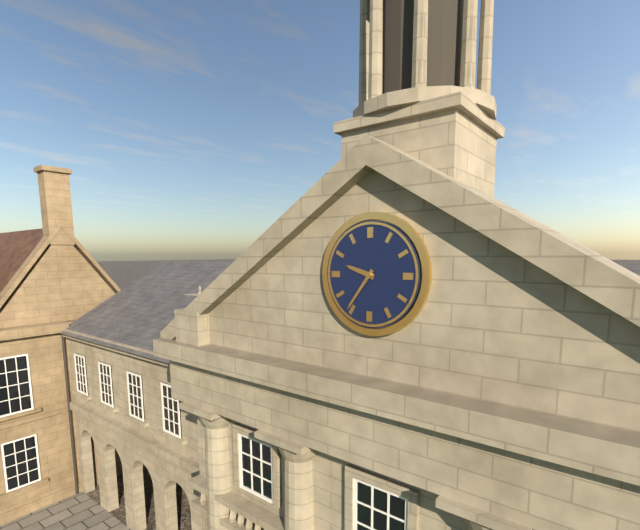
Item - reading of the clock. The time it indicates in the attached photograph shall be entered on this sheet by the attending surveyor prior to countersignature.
9:36
